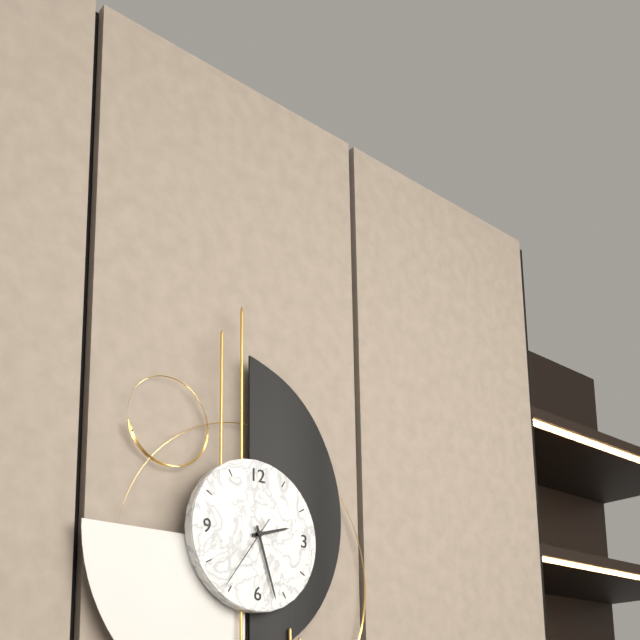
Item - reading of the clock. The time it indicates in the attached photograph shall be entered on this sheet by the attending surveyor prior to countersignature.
2:27:36
